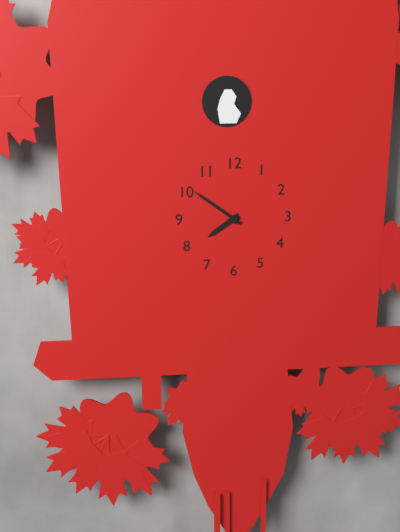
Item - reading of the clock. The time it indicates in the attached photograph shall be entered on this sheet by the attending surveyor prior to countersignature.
7:51
